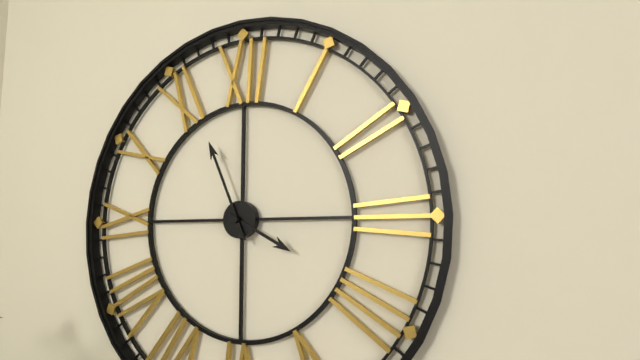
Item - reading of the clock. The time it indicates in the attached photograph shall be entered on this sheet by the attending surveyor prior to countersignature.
3:56
